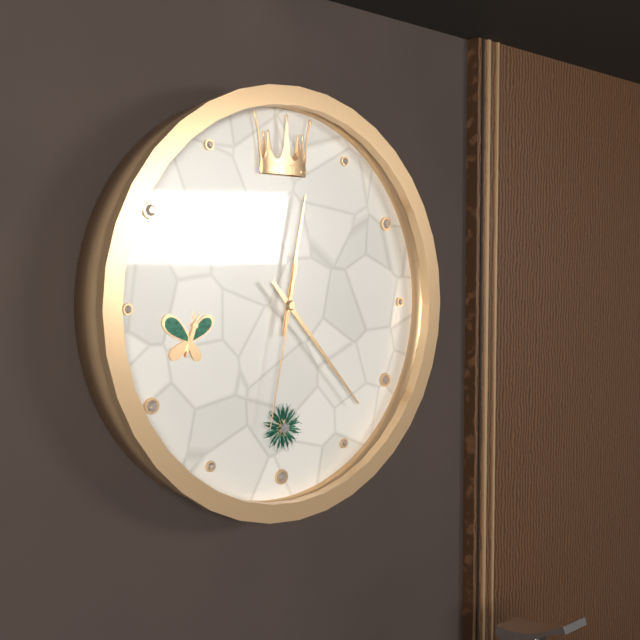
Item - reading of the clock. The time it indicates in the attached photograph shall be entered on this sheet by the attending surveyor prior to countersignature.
12:23:32
